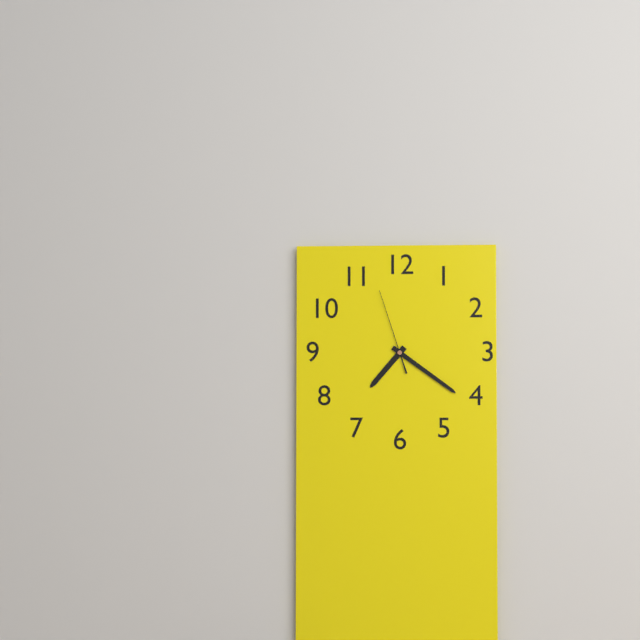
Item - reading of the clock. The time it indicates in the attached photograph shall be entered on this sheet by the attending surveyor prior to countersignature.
7:21:57
